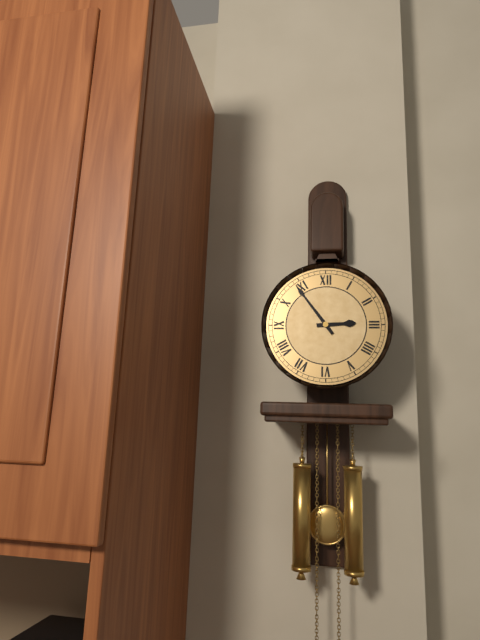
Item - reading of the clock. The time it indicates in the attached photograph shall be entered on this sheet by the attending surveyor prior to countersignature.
2:54
